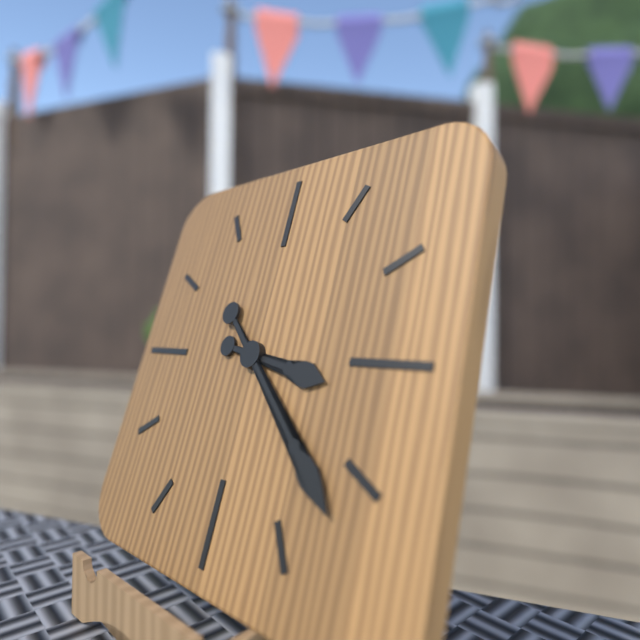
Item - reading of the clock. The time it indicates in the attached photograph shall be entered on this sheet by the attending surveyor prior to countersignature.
3:22
